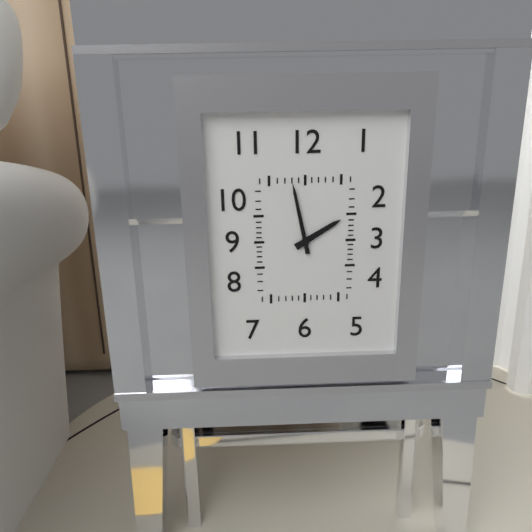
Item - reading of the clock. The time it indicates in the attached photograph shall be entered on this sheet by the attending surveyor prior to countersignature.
1:58
